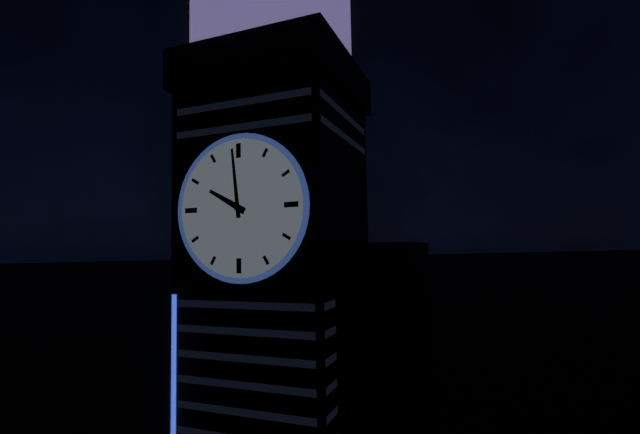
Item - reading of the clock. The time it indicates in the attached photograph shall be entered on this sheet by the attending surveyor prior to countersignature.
9:59
